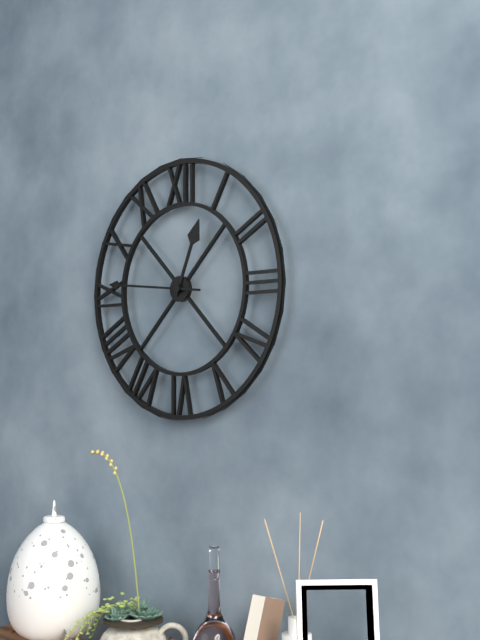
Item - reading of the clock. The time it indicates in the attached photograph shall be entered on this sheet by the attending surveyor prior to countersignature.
12:46
